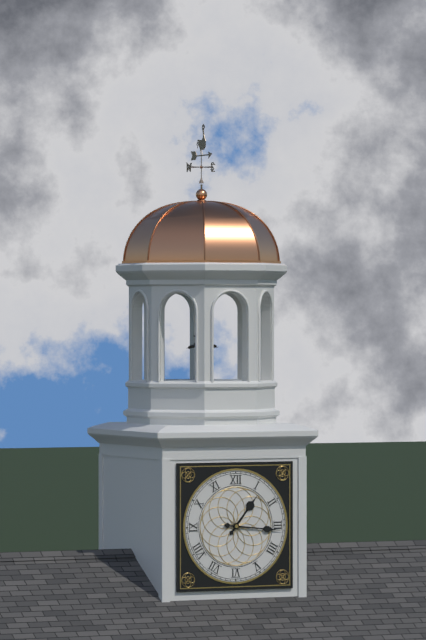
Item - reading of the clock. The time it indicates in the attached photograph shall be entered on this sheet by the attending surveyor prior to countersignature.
1:16
